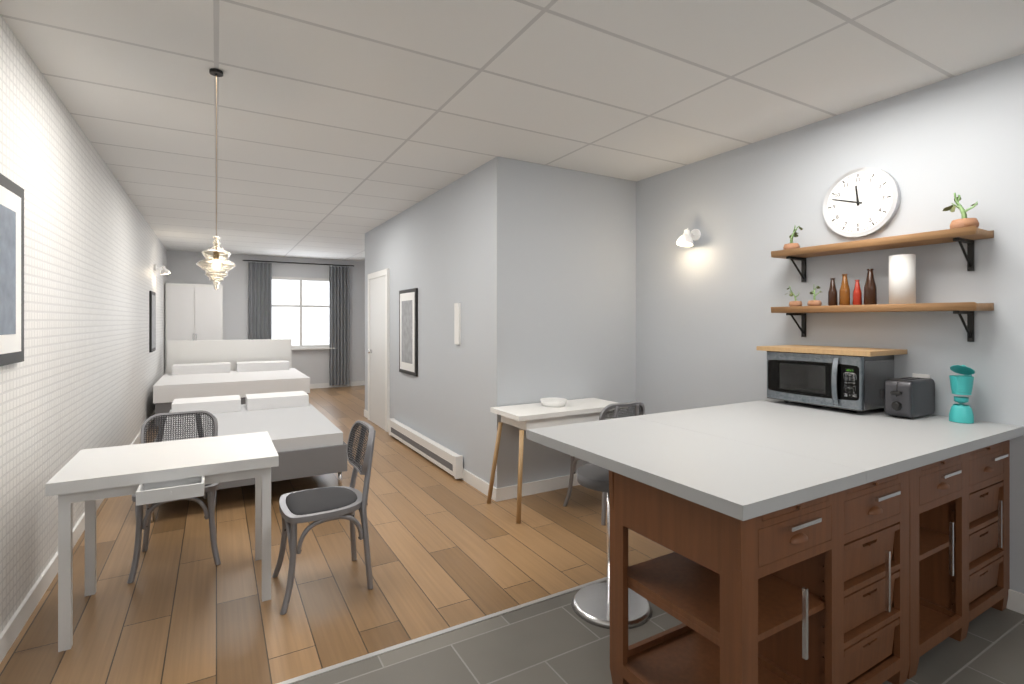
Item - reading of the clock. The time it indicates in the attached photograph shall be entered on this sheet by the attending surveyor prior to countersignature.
11:48
